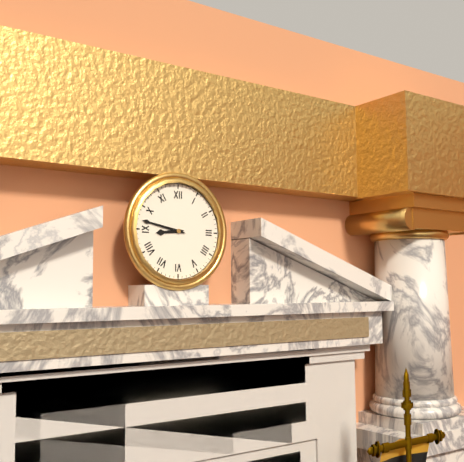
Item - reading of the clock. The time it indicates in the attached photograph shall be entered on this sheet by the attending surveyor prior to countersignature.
8:47
